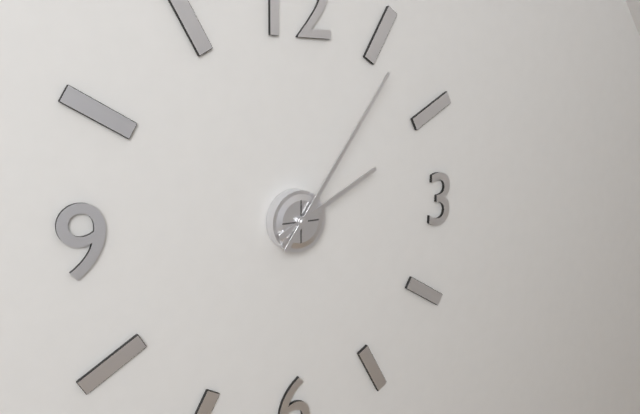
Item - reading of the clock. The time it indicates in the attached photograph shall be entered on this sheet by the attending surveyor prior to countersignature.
2:06
